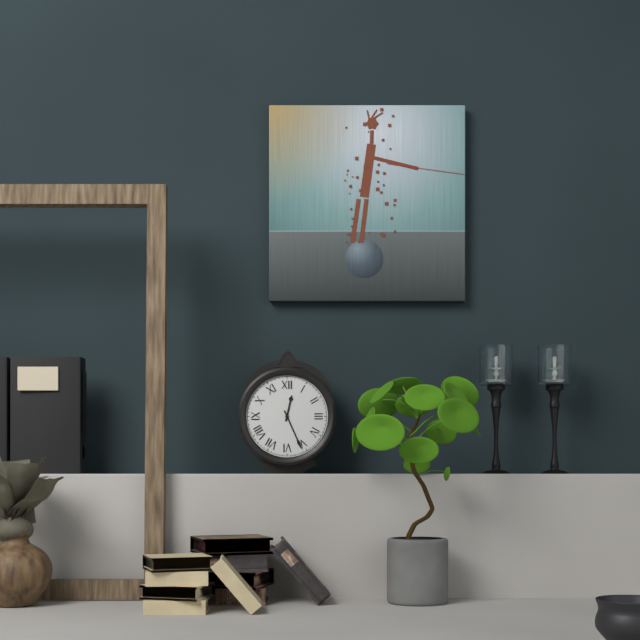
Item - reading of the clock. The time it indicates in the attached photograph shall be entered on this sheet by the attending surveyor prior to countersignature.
12:26
